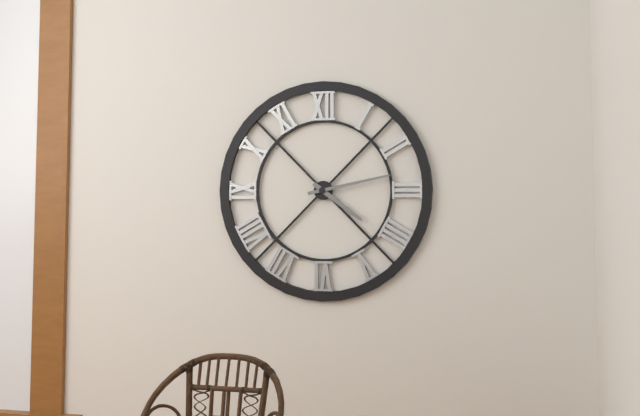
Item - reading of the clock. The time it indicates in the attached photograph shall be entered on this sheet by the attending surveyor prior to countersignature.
4:13
